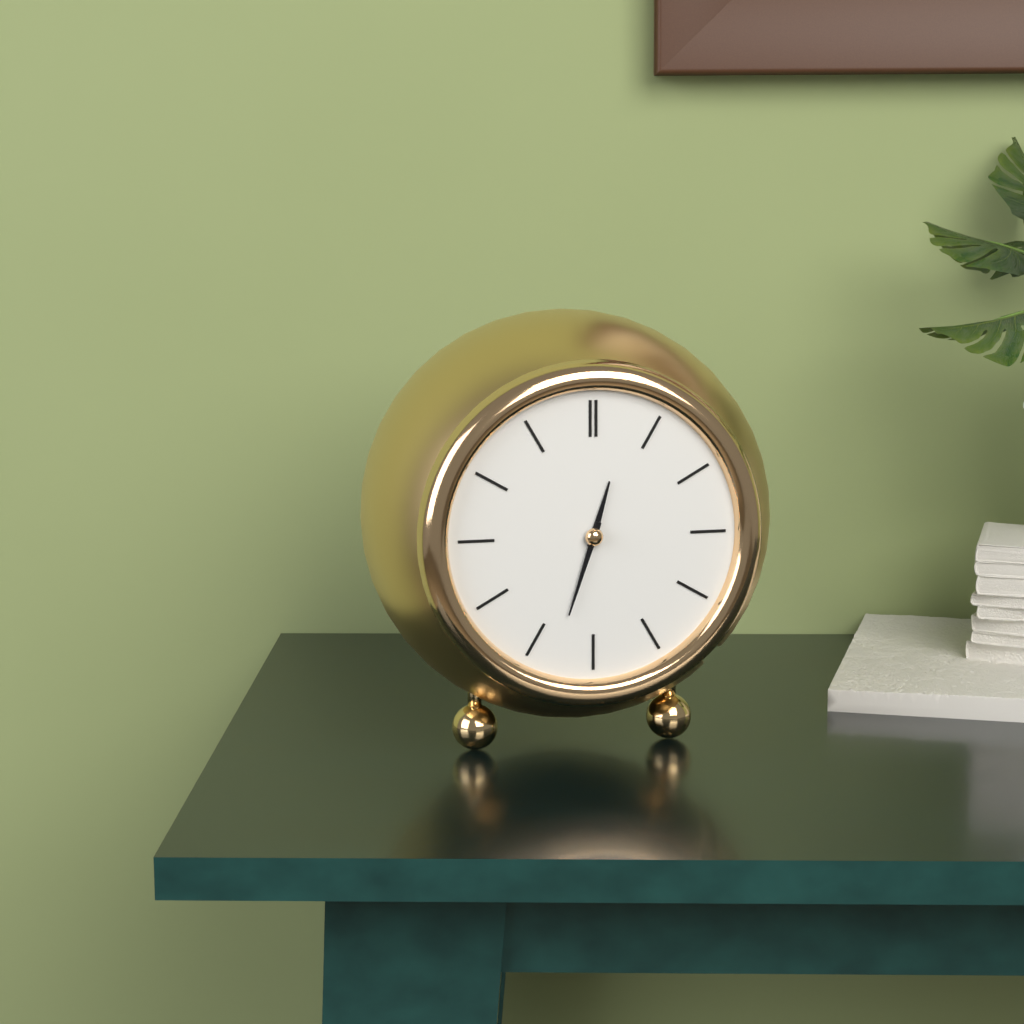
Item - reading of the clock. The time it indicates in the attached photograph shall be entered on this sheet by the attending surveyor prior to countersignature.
12:33
